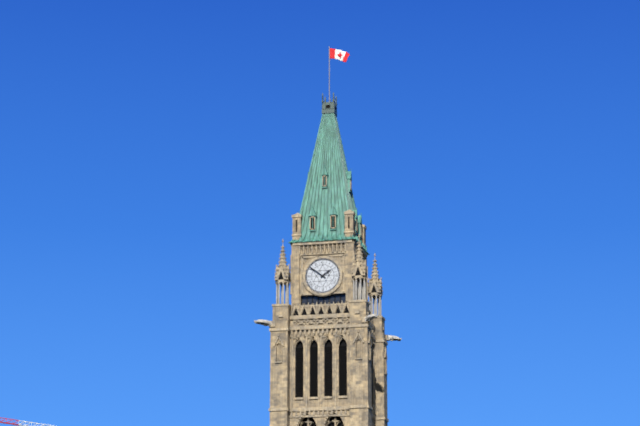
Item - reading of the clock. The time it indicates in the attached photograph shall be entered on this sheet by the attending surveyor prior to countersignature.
1:51
